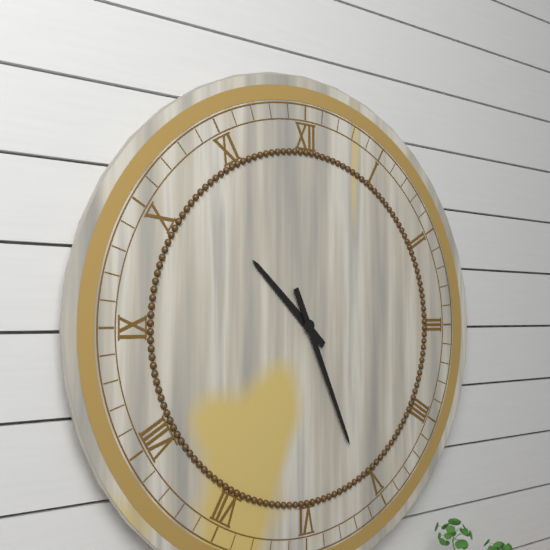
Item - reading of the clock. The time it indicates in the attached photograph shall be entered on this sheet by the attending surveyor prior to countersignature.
10:26
